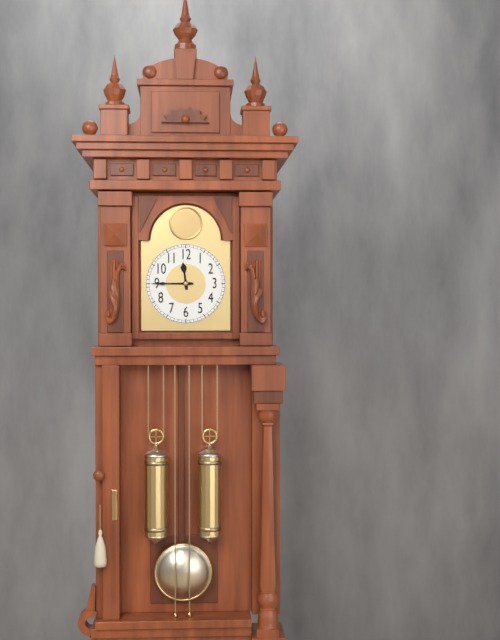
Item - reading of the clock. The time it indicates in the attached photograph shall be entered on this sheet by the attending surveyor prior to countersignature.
11:45
